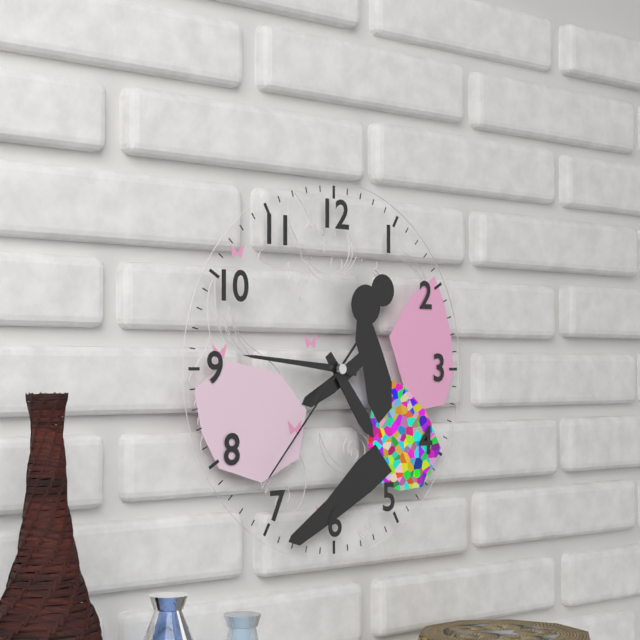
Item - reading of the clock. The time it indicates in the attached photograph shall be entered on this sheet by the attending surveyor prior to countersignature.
4:46:37
